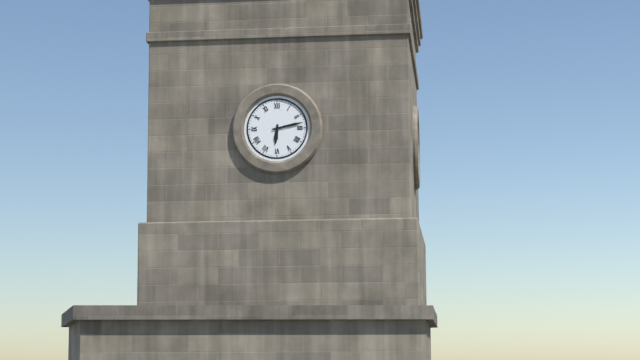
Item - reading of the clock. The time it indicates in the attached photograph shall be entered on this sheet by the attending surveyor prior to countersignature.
6:13
